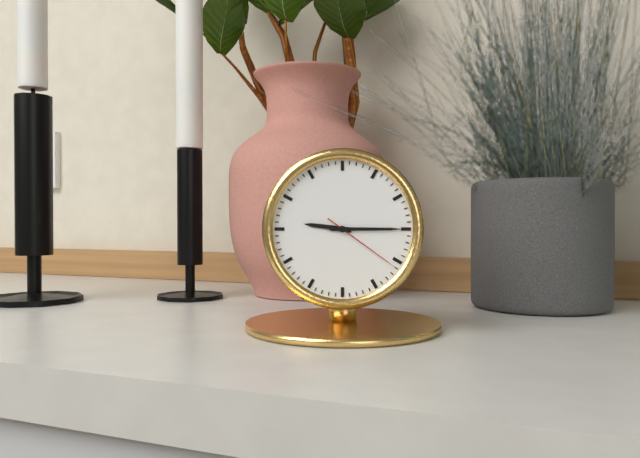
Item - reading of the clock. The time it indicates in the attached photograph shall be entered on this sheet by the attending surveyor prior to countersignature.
9:15:21
